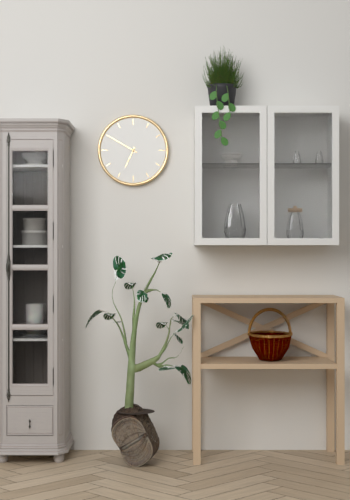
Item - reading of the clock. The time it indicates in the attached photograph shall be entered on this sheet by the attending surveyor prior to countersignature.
6:50
